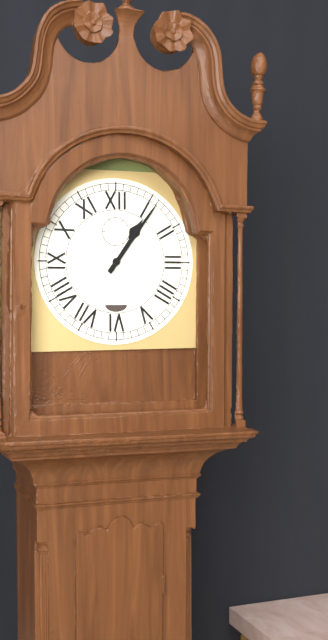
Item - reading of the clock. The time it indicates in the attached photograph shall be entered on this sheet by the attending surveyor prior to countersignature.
1:06
